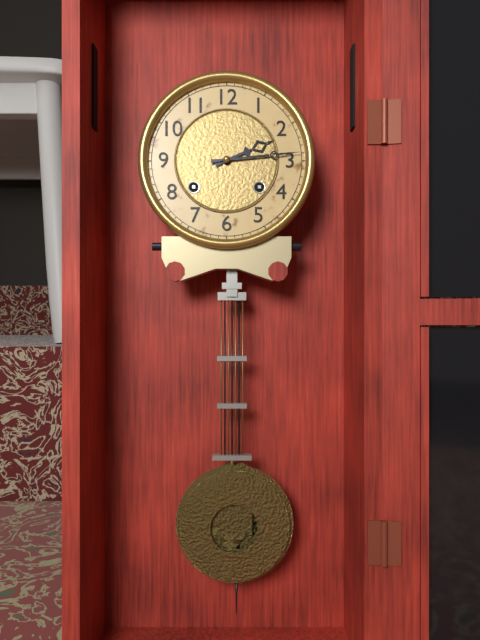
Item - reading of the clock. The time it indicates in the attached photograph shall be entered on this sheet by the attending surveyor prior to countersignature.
2:14
